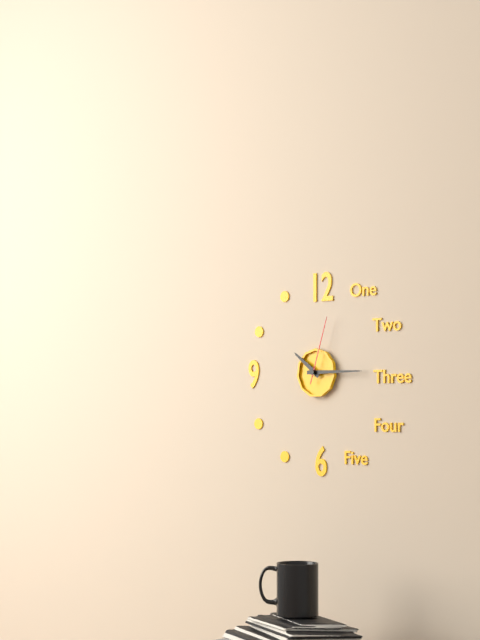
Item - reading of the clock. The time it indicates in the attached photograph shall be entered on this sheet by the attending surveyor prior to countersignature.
10:15:03
